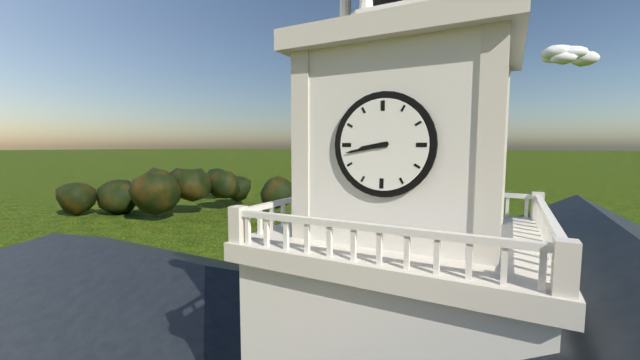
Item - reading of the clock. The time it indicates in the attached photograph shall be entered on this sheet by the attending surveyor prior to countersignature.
8:43
